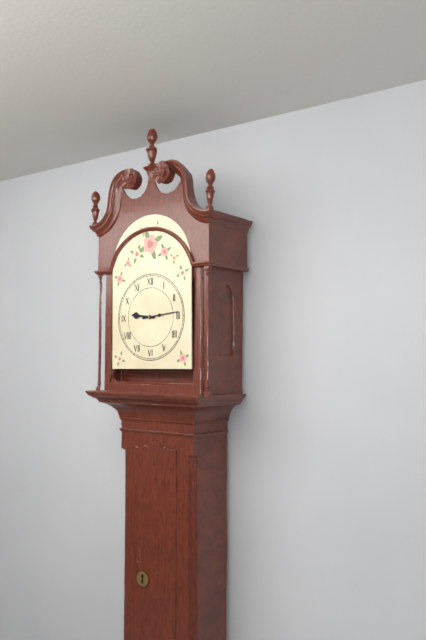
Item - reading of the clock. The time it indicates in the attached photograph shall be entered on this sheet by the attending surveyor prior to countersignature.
9:14
